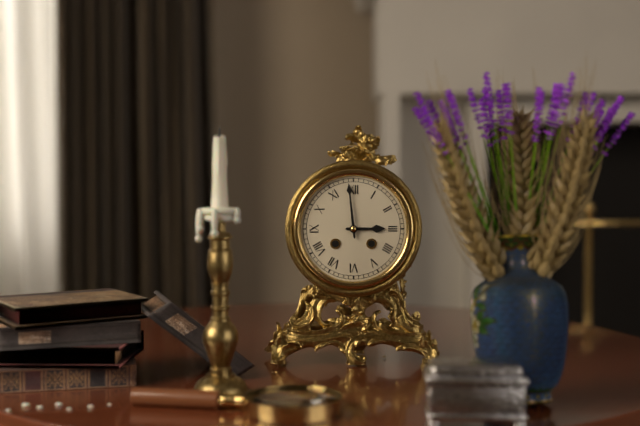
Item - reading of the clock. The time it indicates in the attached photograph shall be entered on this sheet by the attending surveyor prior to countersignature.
2:59
